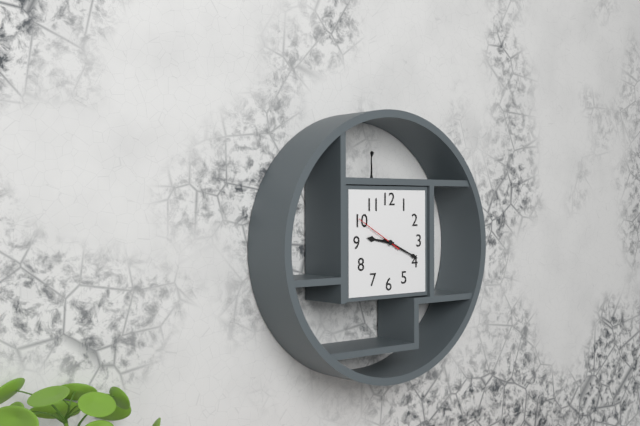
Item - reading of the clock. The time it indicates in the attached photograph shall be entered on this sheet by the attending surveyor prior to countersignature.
9:19
